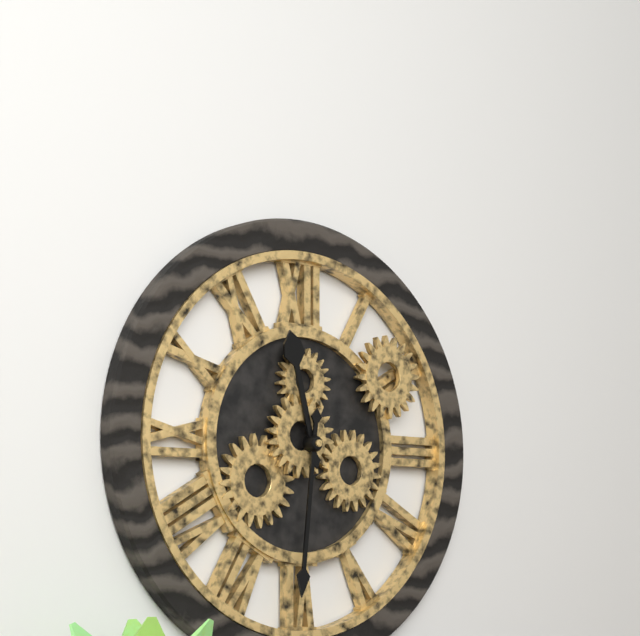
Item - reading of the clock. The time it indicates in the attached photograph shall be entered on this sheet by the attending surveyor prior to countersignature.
11:31
